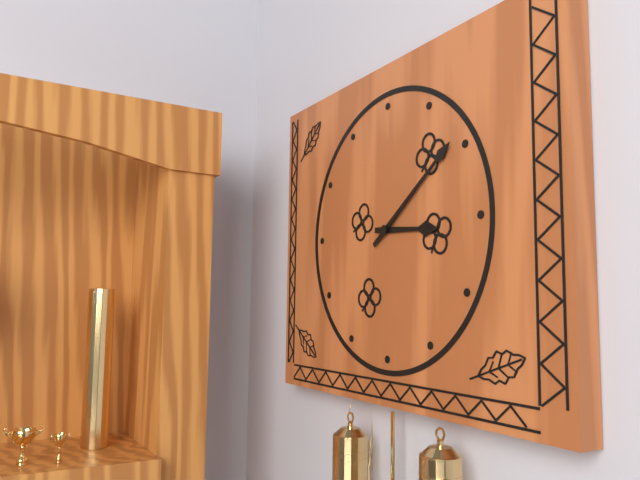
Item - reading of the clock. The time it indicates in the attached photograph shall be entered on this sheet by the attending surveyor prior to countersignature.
3:09
